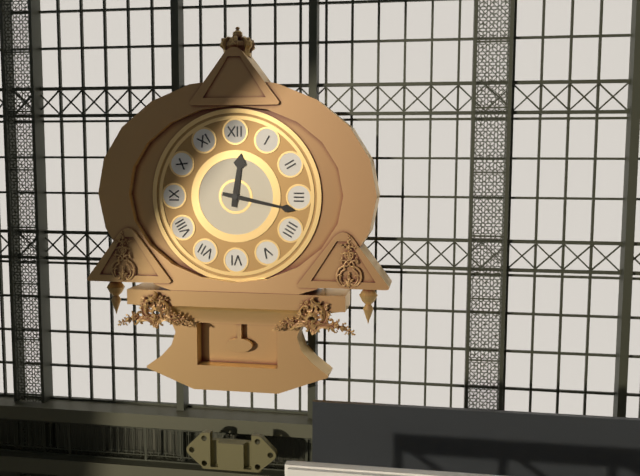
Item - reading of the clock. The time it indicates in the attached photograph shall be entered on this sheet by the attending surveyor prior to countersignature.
12:17
